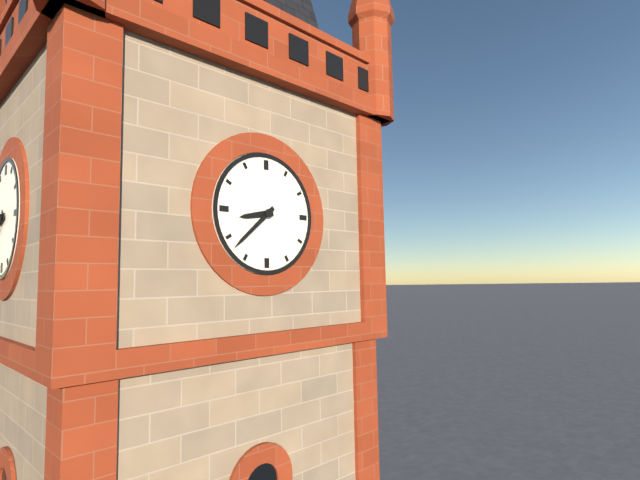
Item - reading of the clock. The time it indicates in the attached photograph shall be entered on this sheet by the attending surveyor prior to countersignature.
8:38
